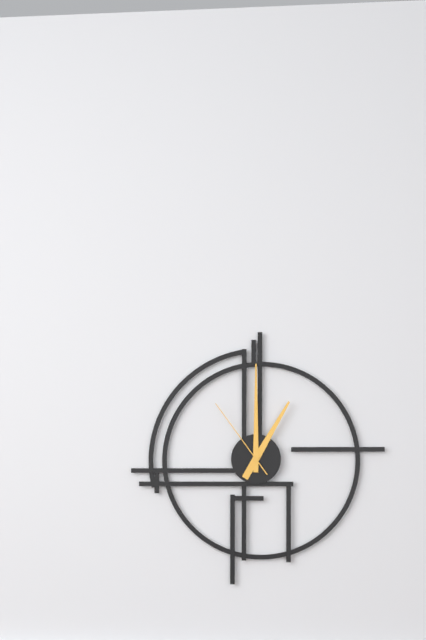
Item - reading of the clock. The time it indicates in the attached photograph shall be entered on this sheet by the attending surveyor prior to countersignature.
1:00:54
